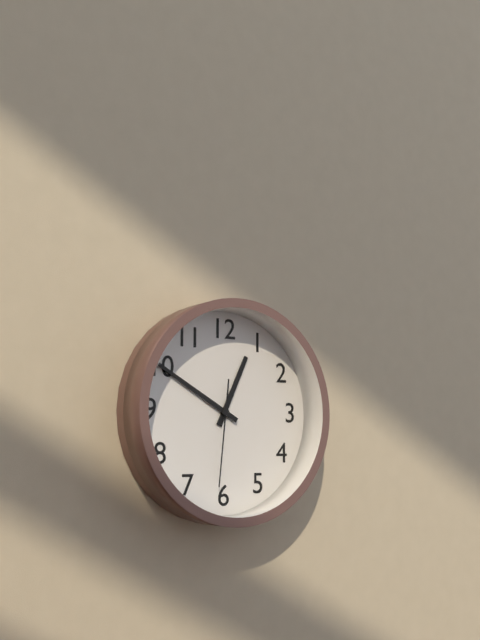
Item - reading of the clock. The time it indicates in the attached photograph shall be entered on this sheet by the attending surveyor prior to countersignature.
12:50:31
